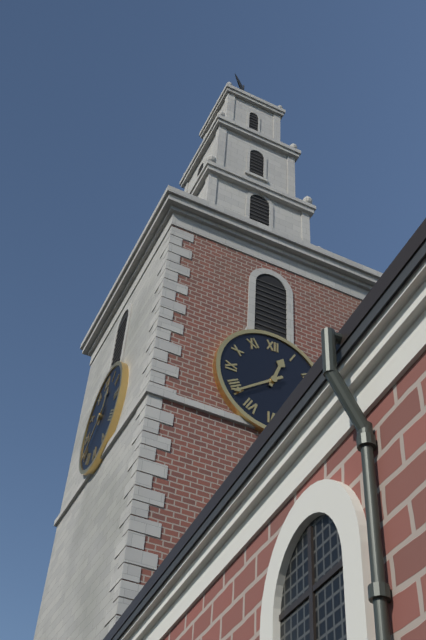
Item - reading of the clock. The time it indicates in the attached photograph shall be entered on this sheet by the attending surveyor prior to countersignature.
12:39
